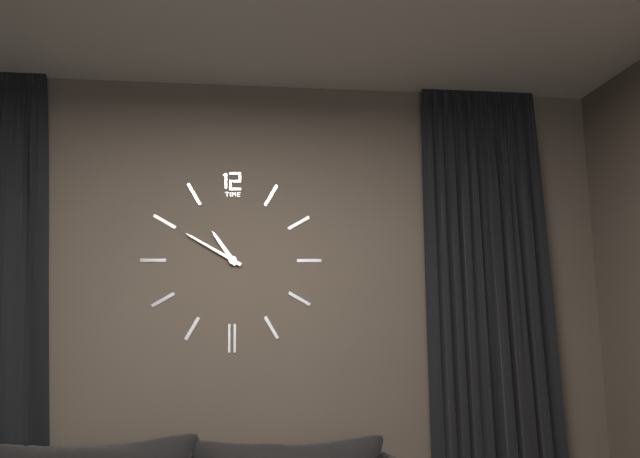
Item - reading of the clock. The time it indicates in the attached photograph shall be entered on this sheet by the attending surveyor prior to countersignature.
10:50
